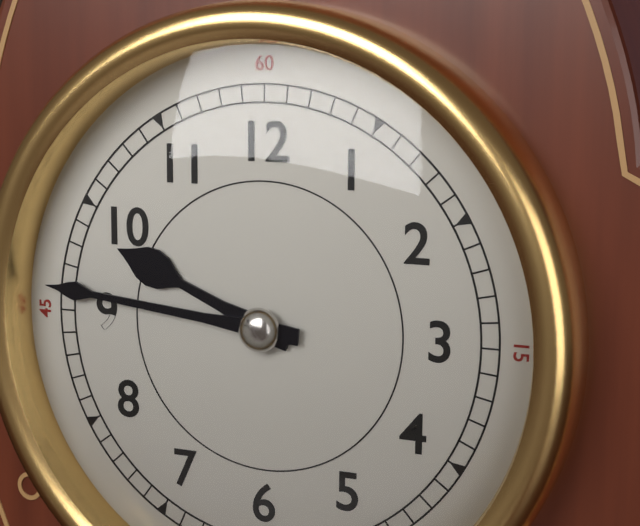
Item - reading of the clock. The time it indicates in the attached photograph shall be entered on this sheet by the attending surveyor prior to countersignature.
9:46
